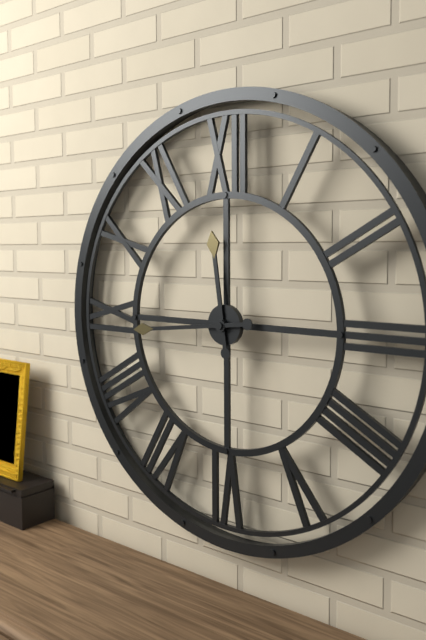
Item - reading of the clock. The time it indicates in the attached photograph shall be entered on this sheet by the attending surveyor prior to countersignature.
11:44
